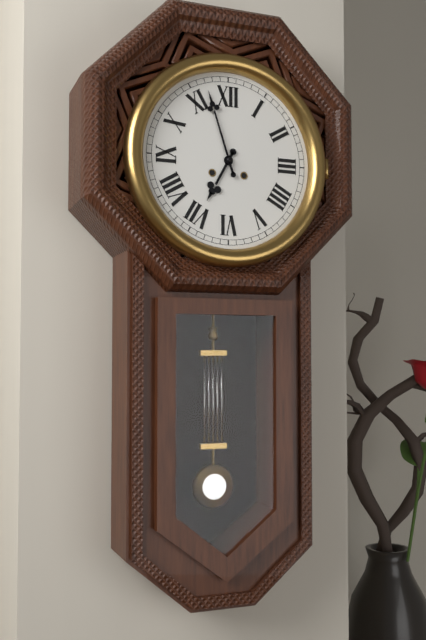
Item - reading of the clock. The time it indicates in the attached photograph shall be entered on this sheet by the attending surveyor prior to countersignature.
6:57
